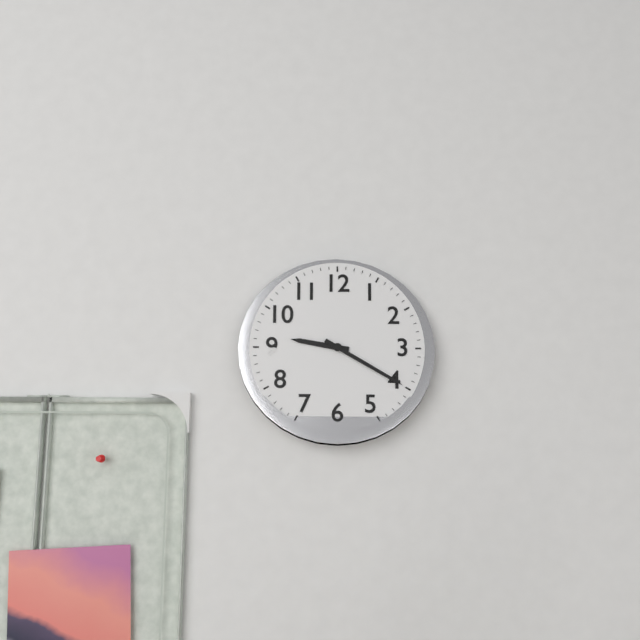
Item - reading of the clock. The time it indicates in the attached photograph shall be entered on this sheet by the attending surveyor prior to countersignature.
9:20
